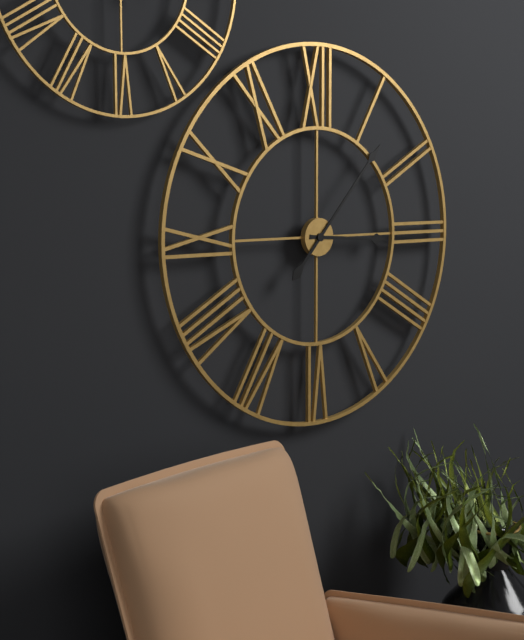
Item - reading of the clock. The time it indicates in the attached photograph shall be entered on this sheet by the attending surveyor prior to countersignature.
3:07
